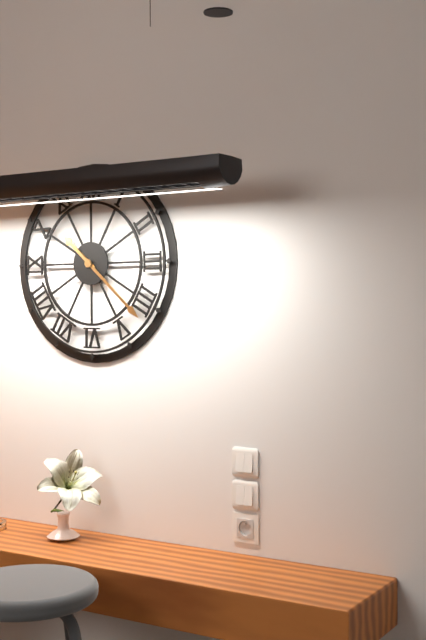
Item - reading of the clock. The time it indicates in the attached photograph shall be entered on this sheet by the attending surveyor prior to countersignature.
10:22
